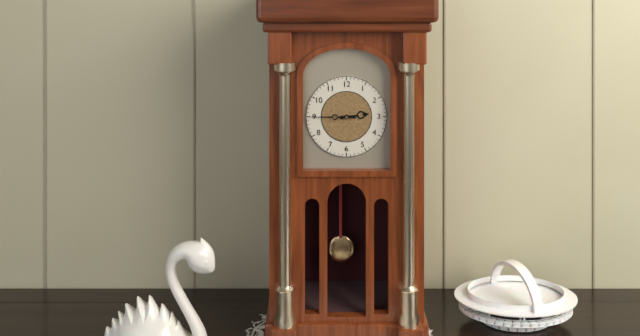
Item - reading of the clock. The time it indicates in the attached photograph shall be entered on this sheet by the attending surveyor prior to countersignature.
2:45
